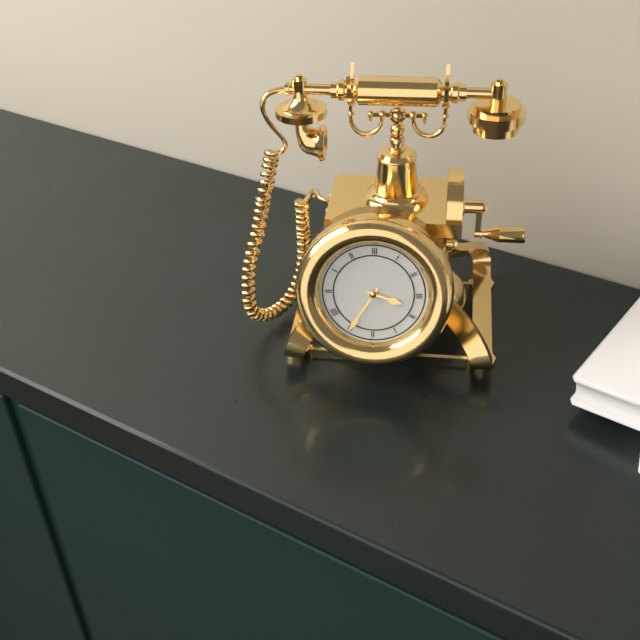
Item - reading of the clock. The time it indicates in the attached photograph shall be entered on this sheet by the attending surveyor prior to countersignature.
3:35
